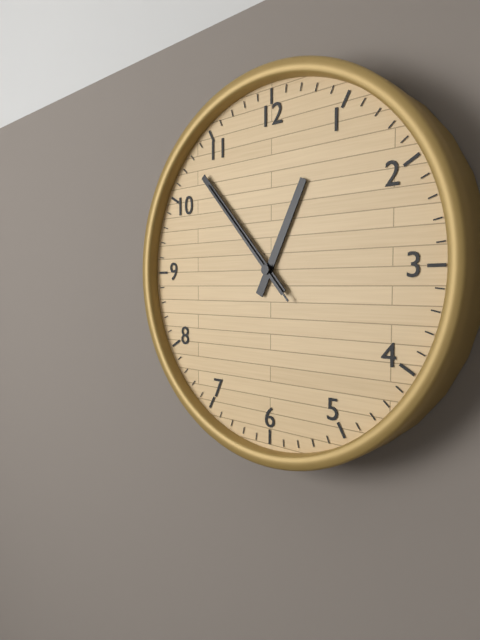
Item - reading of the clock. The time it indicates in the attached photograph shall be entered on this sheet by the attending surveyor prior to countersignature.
12:53:53
